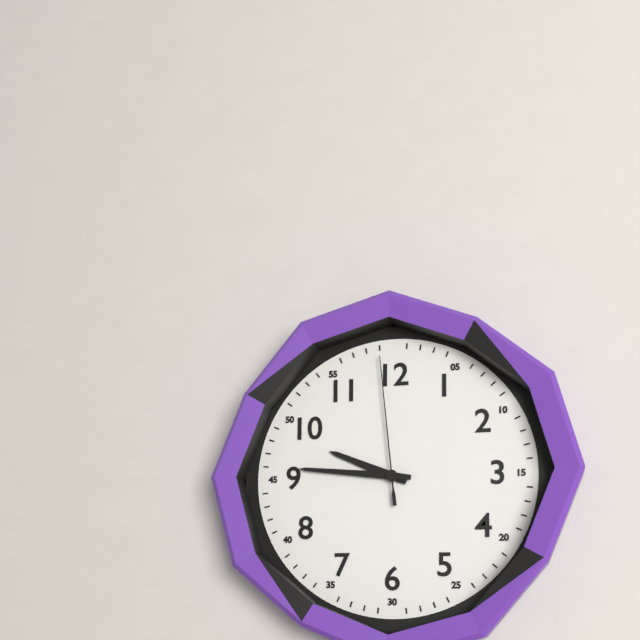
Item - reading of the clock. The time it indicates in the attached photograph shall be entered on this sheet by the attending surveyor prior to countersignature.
9:46:59
